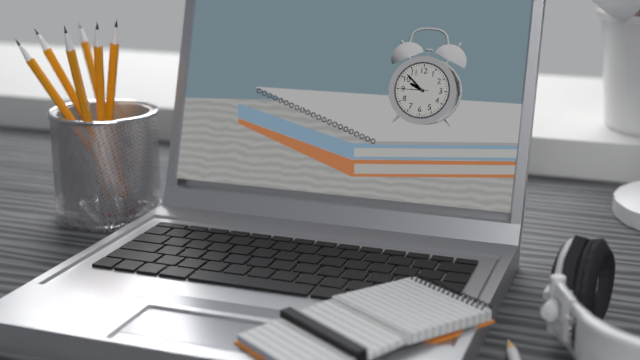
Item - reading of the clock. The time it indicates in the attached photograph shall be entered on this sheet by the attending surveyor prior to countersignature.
9:52
